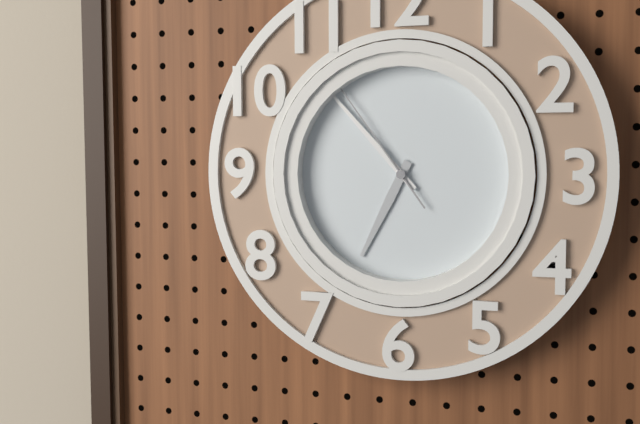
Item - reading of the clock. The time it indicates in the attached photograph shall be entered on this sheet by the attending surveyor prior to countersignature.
6:53:54
